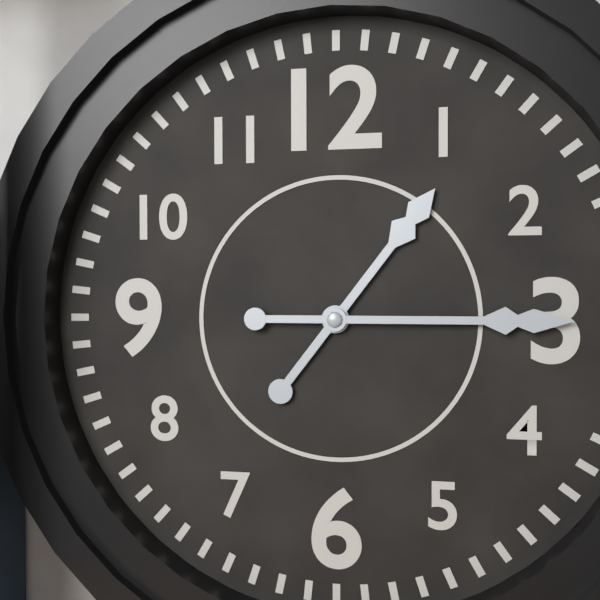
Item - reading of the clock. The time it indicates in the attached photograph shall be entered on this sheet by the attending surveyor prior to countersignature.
1:15
